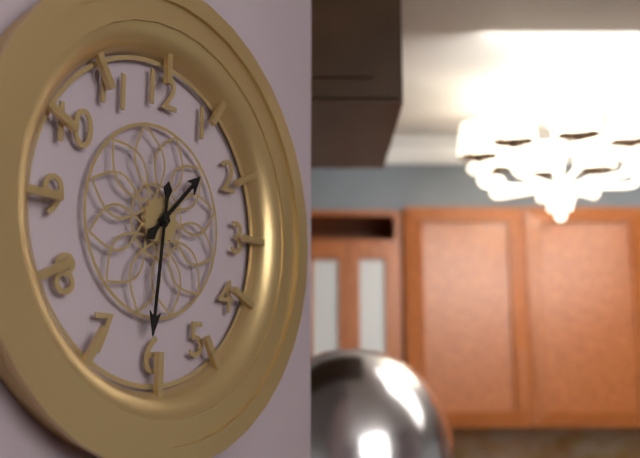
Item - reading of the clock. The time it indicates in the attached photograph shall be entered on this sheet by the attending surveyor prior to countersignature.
1:31
